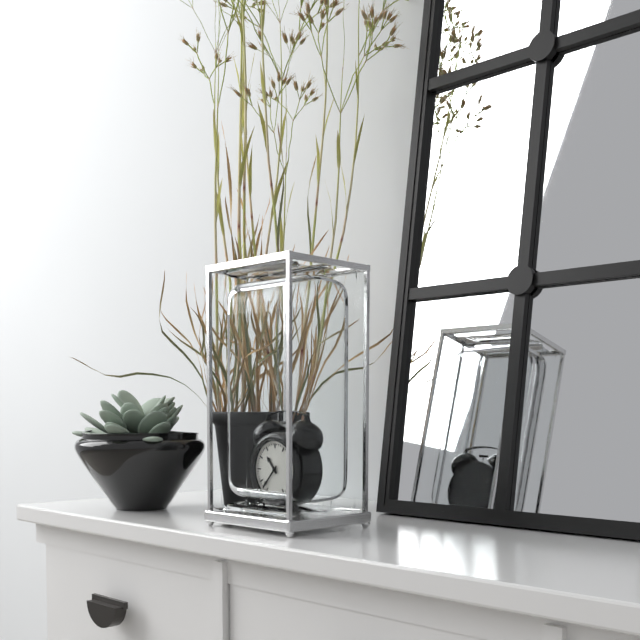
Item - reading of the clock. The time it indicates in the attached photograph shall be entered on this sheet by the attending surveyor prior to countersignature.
10:37
